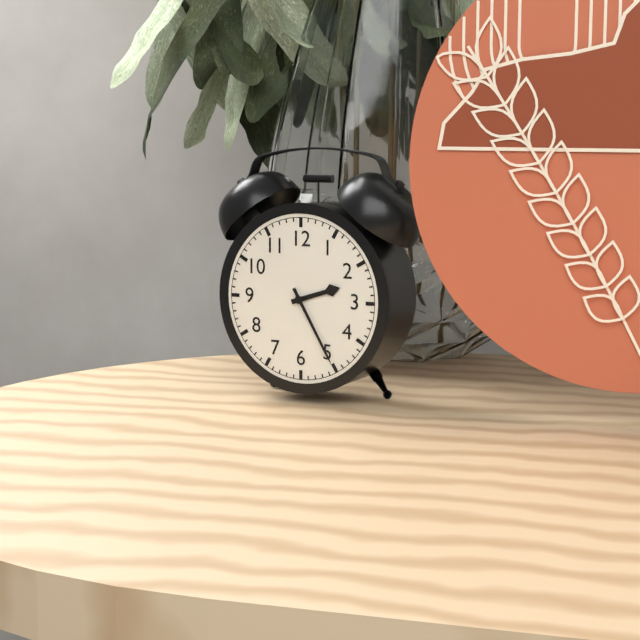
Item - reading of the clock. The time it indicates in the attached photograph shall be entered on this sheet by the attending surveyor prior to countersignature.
2:25
